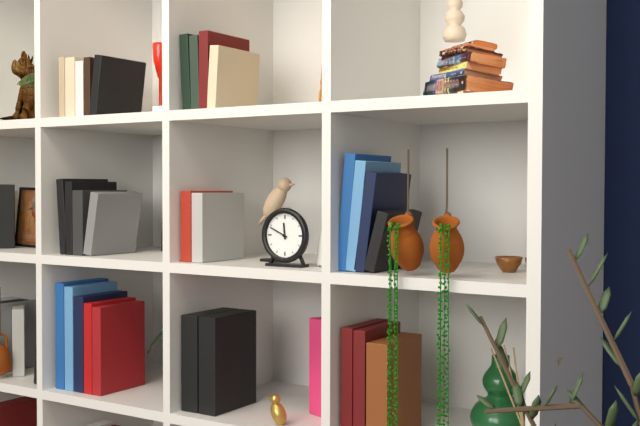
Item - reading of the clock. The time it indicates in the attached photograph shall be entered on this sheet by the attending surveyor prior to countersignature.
11:49
